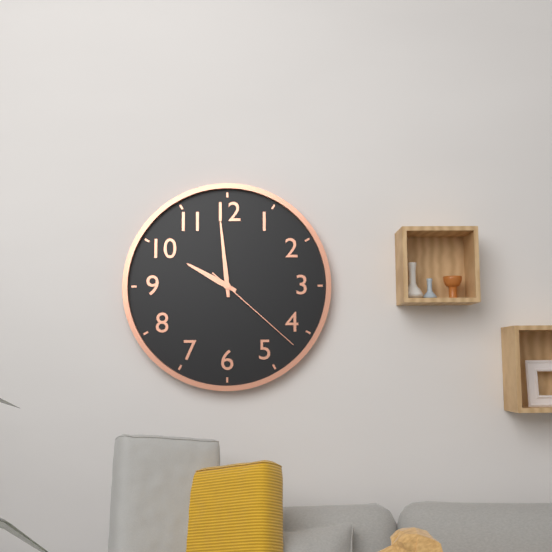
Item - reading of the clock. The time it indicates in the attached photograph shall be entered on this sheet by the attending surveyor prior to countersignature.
9:59:22
